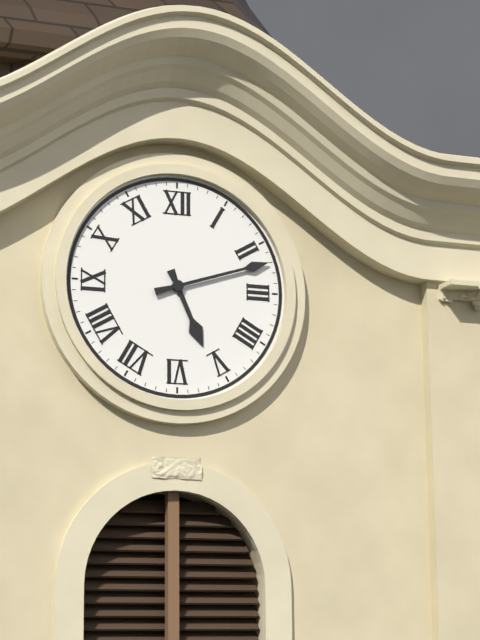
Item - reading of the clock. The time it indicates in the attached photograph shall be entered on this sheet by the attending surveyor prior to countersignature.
5:12
